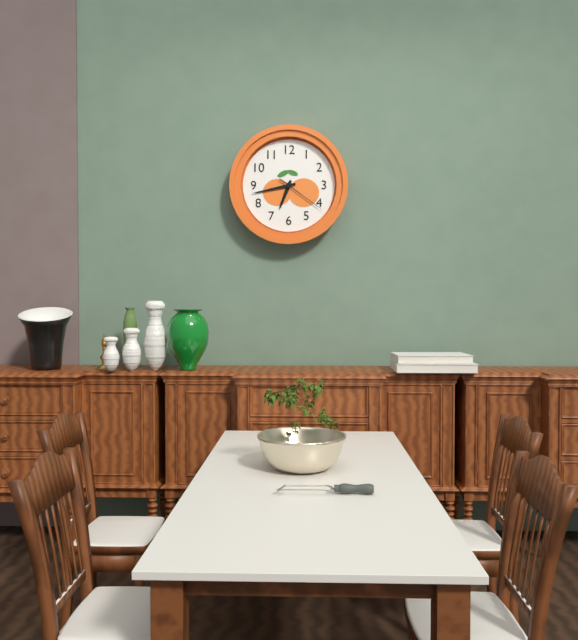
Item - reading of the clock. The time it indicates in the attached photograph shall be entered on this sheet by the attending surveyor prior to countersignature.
6:43:21
